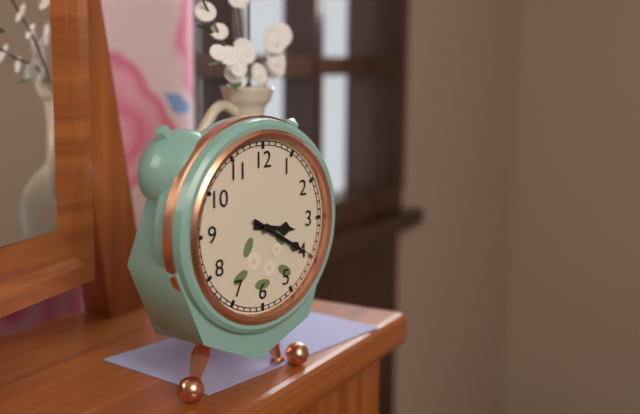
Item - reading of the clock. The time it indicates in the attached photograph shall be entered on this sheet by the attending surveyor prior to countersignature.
3:20:20
